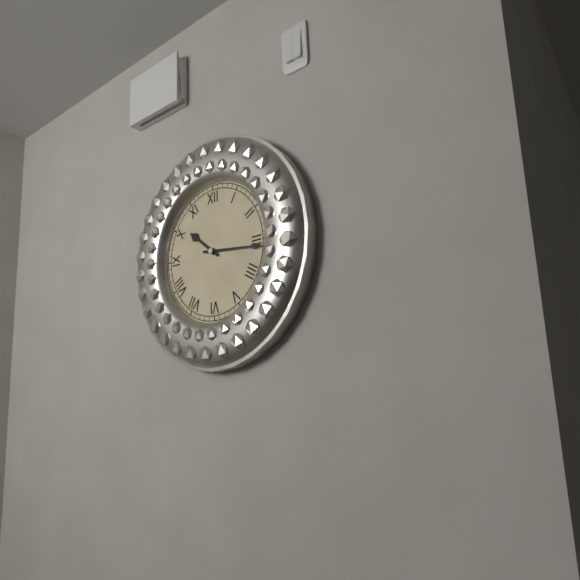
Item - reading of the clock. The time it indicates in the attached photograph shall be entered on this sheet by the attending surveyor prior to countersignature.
10:16
